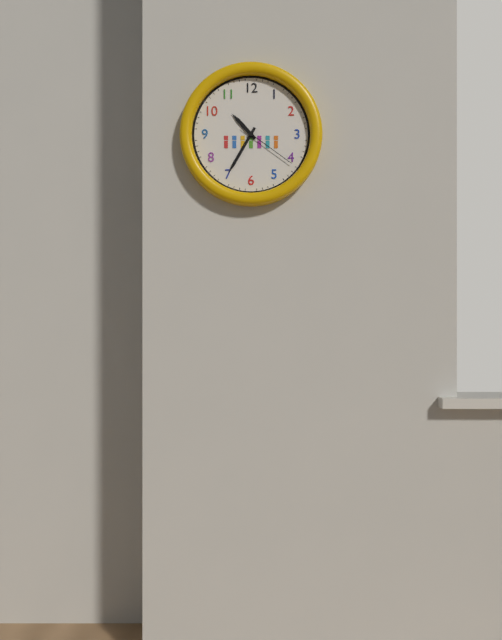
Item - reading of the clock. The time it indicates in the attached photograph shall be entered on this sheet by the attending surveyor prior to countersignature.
10:35:21
